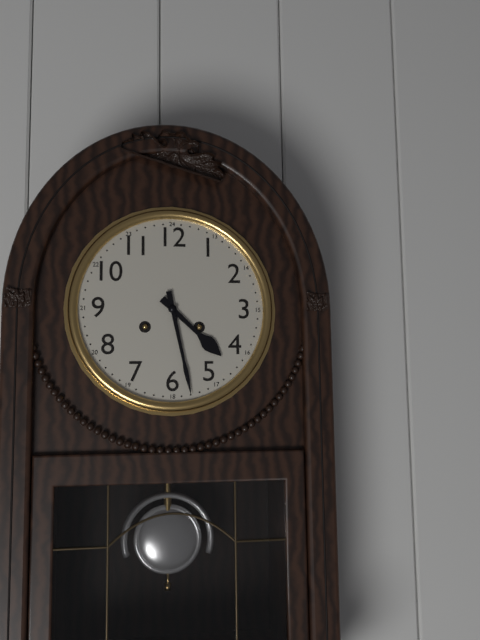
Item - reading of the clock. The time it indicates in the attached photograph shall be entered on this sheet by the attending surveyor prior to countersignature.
4:28
